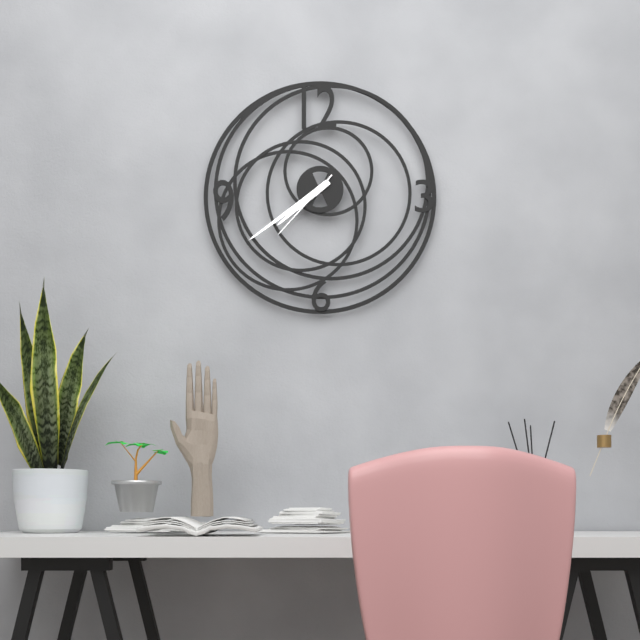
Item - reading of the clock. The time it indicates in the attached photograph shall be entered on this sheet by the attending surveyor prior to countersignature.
7:39:37
